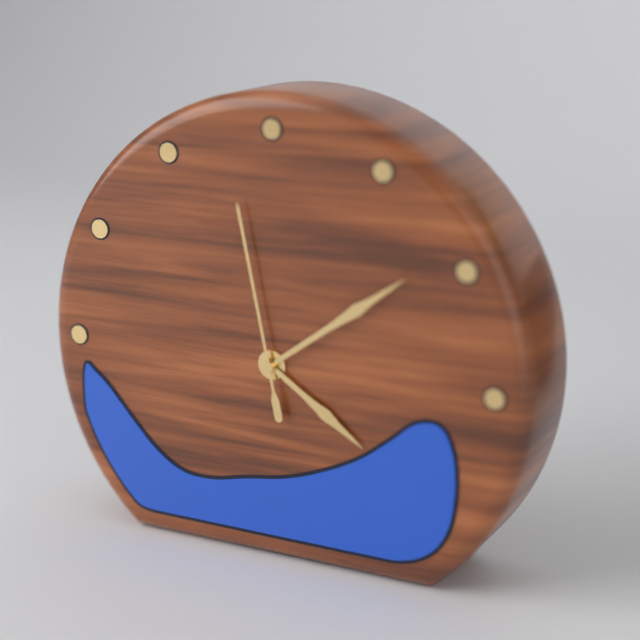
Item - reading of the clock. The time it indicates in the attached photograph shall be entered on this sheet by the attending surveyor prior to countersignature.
4:09:58
